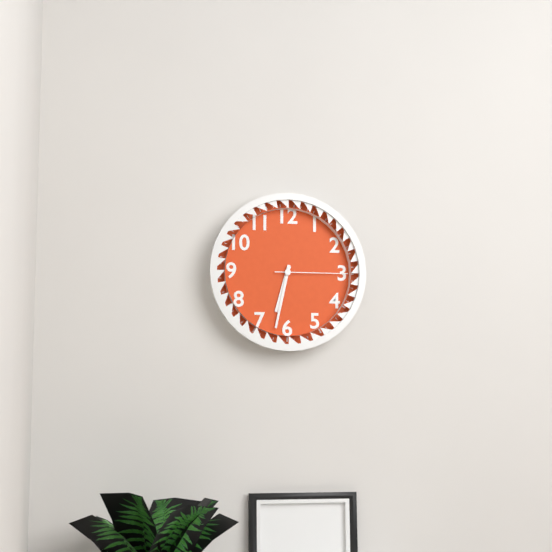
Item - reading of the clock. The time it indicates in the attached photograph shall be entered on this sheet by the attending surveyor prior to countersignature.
6:32:15
